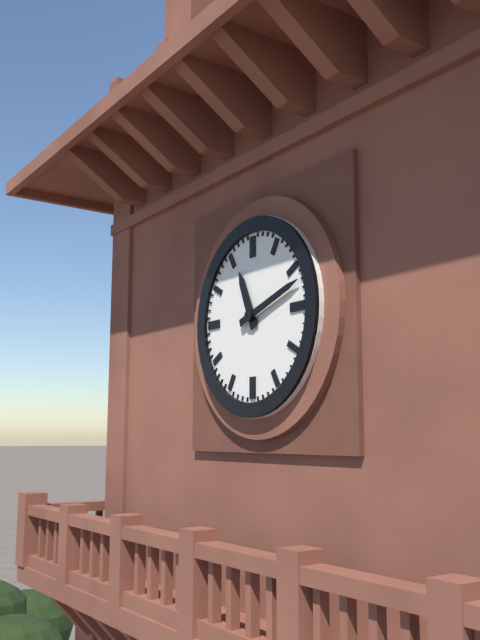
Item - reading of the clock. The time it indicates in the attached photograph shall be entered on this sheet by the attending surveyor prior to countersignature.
11:12
